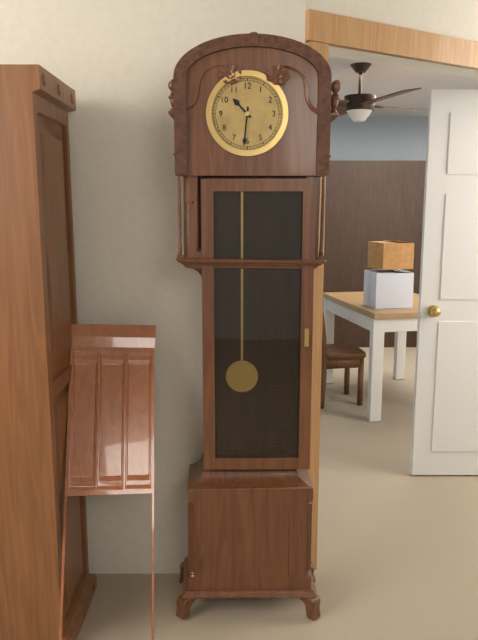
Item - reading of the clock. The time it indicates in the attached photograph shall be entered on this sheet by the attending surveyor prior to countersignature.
10:31
